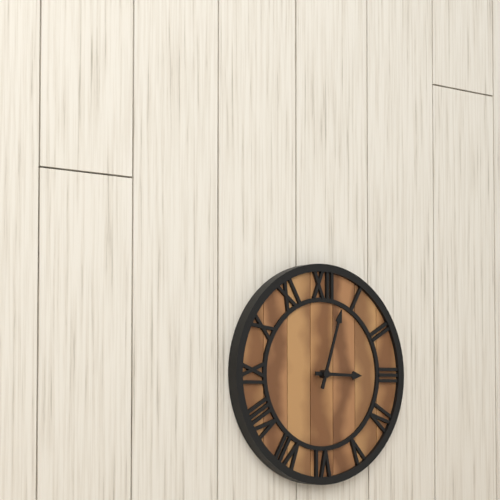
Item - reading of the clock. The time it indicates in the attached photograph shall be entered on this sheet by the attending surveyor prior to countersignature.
3:03
